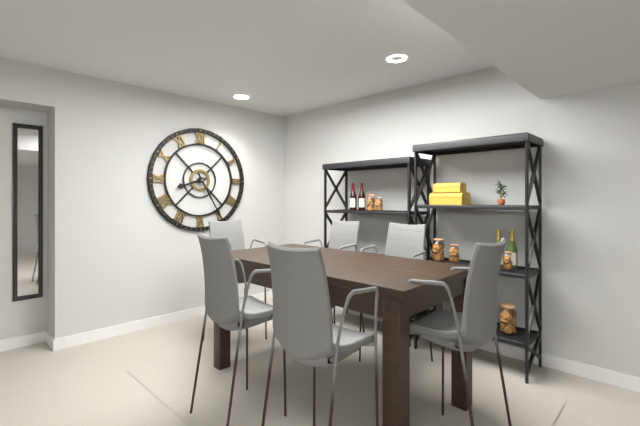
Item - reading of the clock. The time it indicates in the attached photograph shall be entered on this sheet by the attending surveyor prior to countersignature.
8:25
